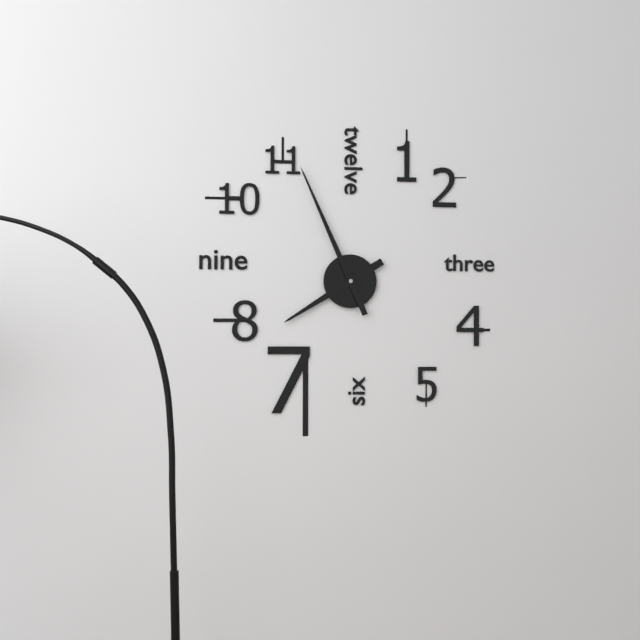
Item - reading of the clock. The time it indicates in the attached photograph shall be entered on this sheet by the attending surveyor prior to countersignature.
7:56
